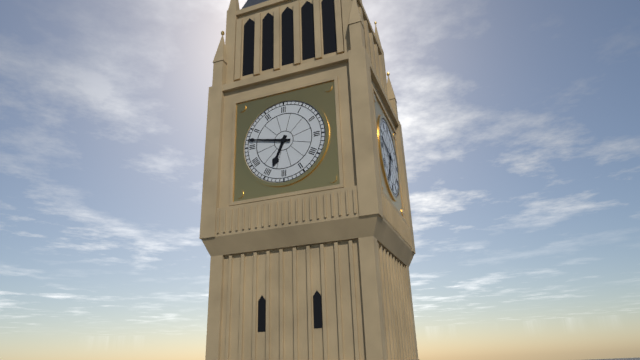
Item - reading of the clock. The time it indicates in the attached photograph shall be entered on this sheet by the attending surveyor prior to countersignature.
6:47
